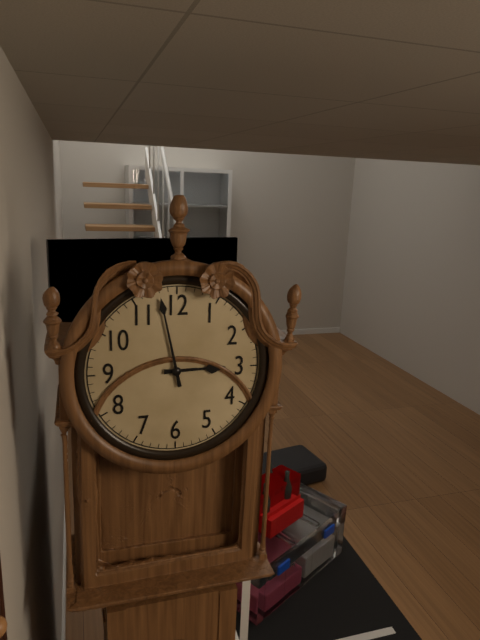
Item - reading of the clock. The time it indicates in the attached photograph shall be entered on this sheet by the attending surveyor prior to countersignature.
2:58
